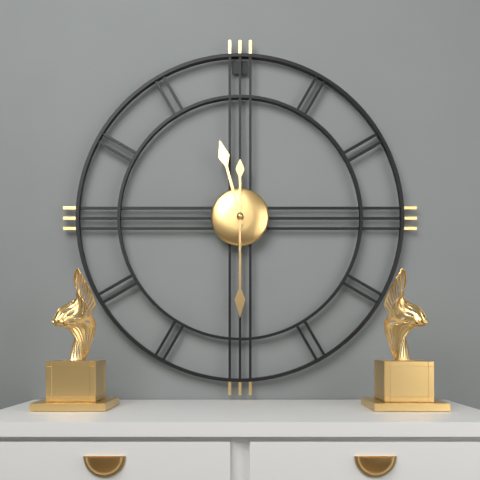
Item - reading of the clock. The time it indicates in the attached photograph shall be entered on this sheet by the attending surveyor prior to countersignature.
11:30
